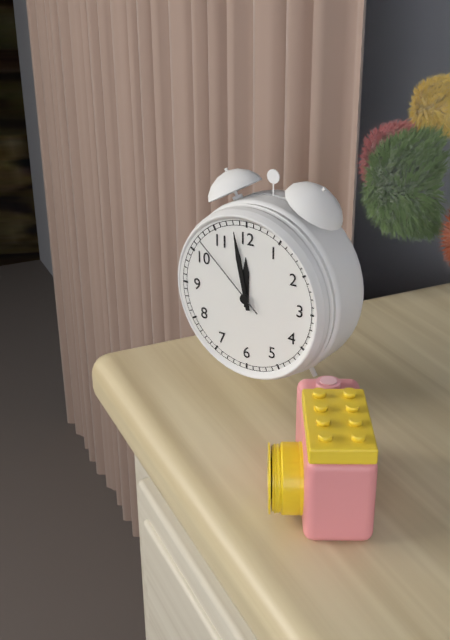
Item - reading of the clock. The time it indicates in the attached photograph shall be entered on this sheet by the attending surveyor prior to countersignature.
11:58:52
